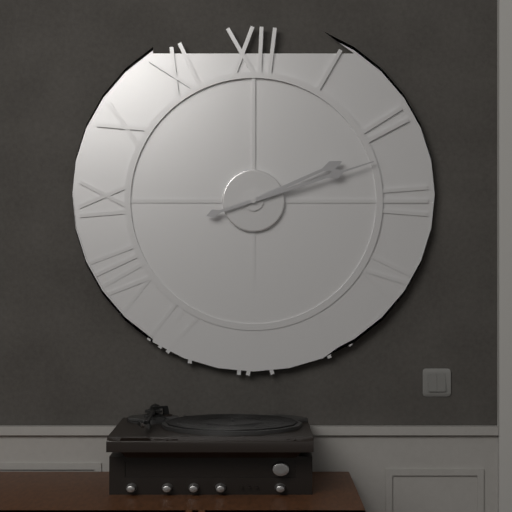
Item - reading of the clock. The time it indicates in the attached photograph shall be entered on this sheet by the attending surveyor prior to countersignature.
2:12
